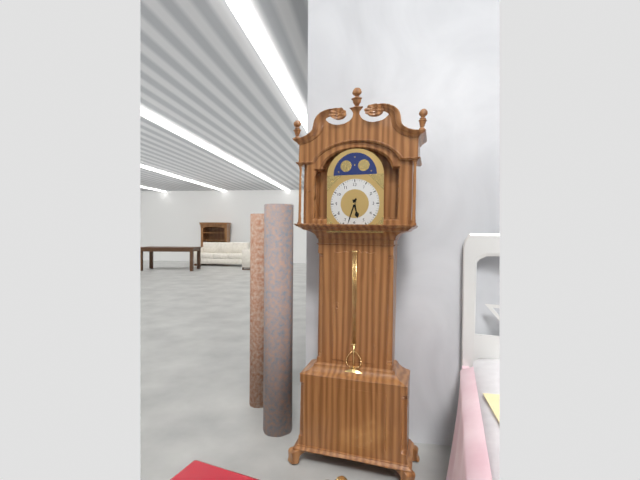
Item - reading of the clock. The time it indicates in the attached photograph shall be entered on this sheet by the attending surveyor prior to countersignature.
5:33
